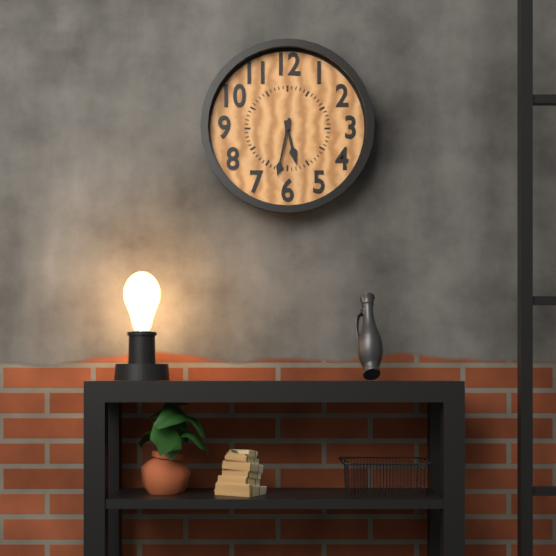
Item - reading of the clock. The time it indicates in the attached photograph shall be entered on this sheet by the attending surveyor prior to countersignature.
5:32
